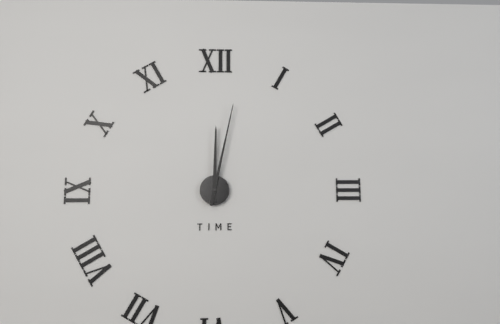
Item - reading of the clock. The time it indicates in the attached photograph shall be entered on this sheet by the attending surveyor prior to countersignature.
12:02
